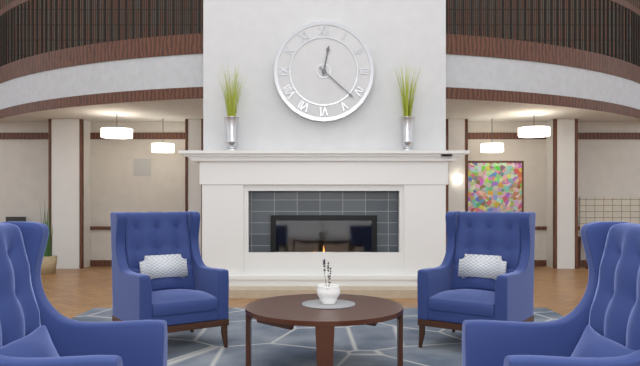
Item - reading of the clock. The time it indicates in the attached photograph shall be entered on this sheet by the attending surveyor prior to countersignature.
12:22
